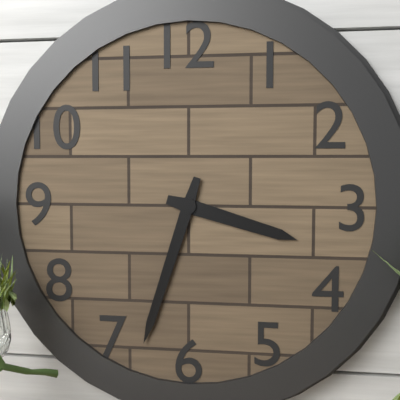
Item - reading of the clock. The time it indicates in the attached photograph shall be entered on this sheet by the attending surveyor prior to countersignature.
3:33
